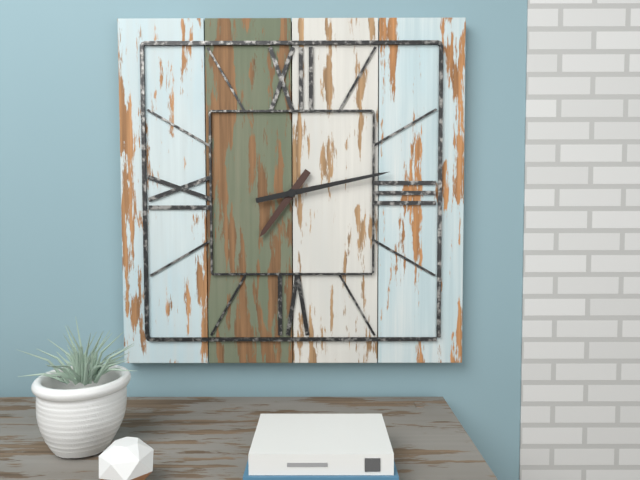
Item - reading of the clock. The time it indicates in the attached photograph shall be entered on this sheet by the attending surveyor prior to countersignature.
7:13
